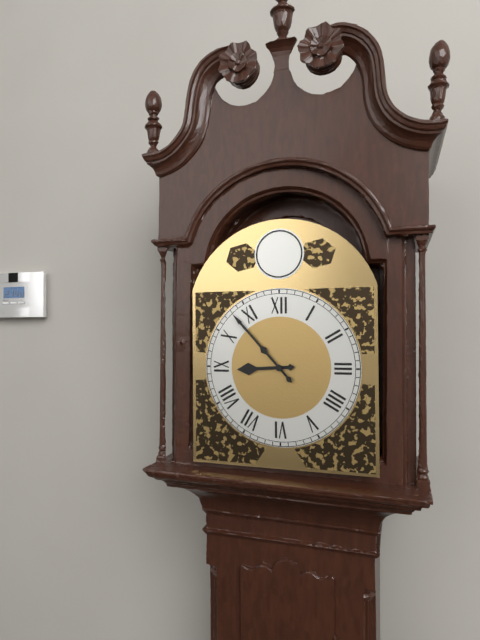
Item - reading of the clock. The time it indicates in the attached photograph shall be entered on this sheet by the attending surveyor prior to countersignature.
8:53
